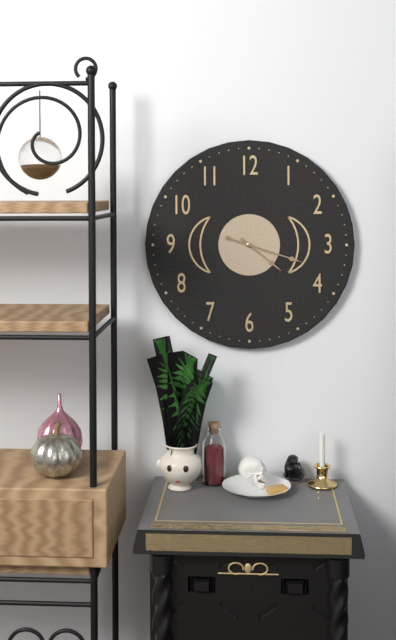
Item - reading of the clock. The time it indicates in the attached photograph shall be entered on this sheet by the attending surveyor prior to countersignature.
4:18
